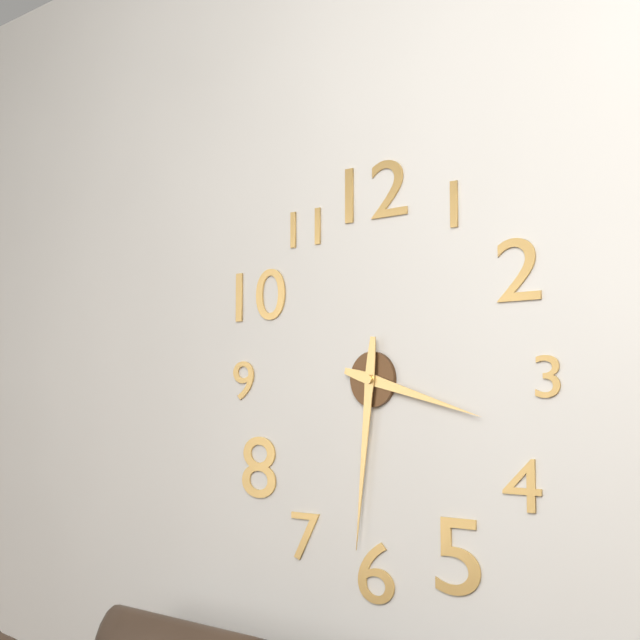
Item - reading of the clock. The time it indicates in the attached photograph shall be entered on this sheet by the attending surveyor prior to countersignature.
3:31
